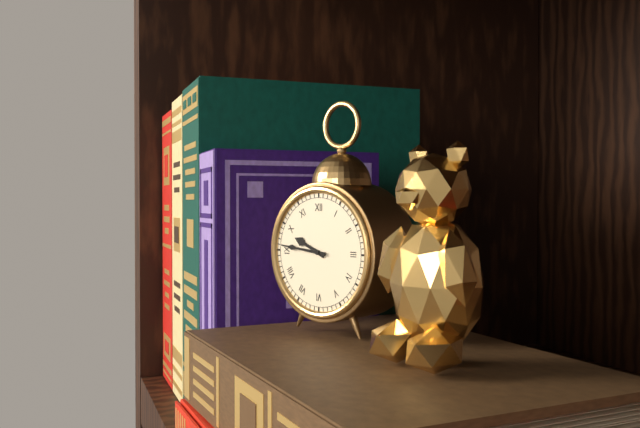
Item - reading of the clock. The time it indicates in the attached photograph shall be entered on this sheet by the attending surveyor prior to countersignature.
9:46
